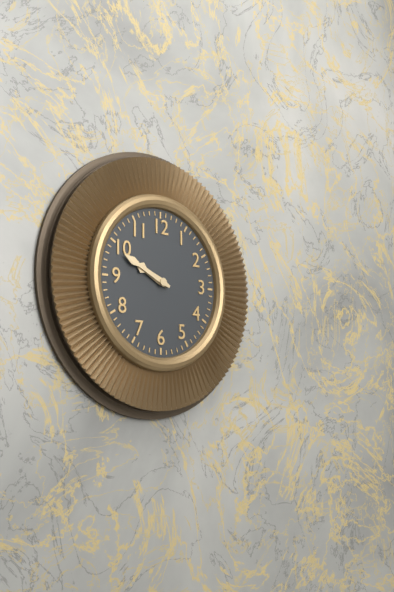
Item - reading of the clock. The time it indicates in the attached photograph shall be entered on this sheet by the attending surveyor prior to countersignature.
9:49
